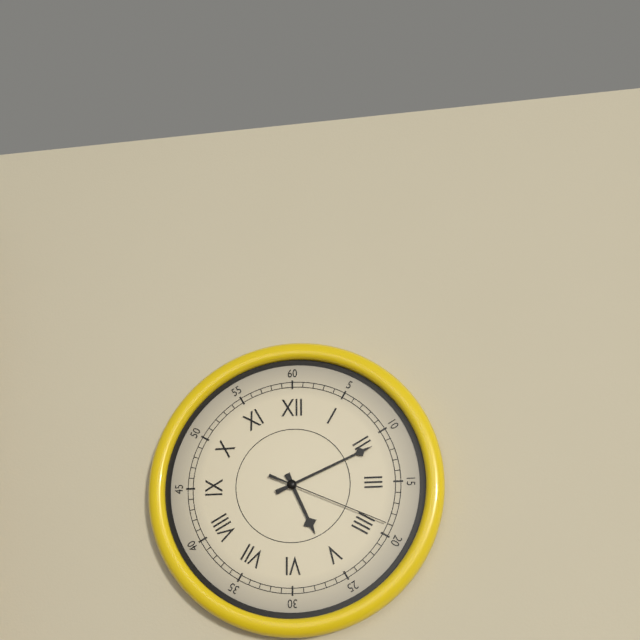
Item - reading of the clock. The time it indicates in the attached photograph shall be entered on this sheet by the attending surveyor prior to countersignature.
5:11:19
